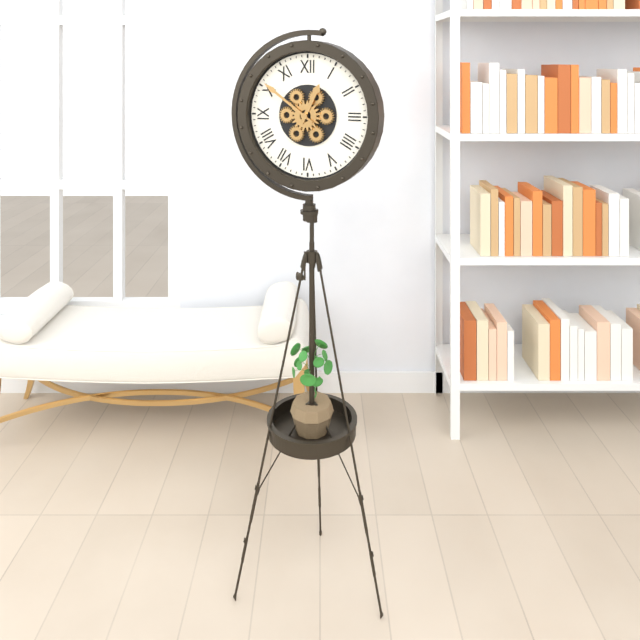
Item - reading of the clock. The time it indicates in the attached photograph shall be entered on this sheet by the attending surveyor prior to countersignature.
12:51
